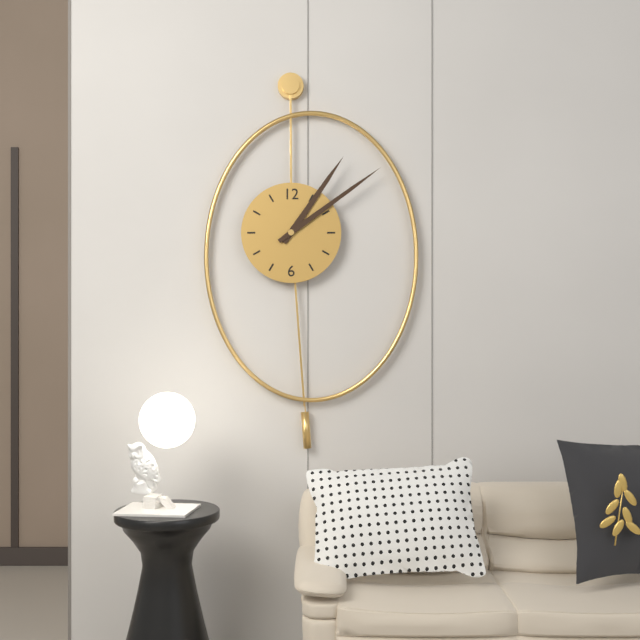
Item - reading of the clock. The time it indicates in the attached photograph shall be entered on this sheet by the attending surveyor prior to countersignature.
1:09
